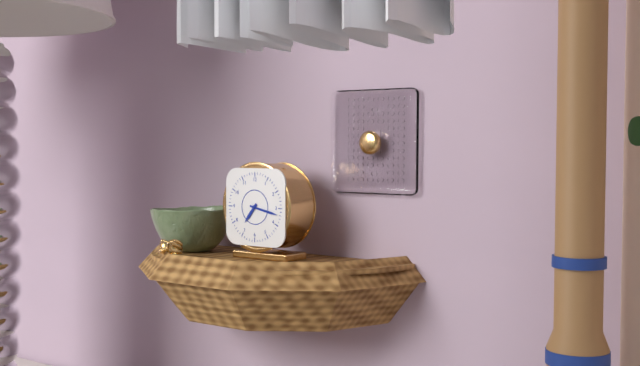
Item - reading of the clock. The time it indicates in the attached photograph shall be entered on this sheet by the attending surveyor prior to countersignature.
7:17
